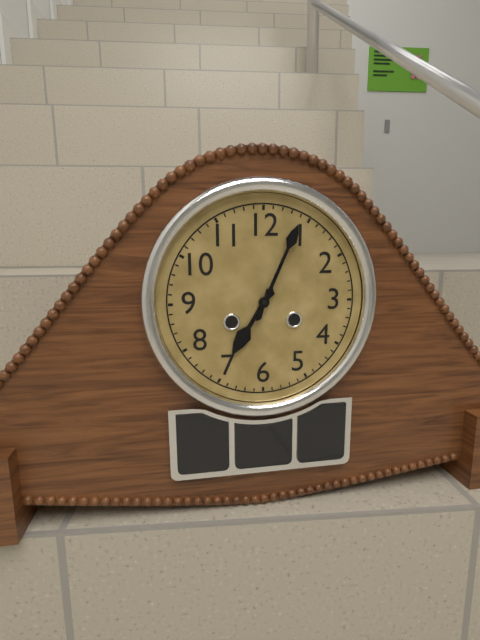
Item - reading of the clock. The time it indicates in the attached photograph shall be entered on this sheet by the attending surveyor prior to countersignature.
7:04
